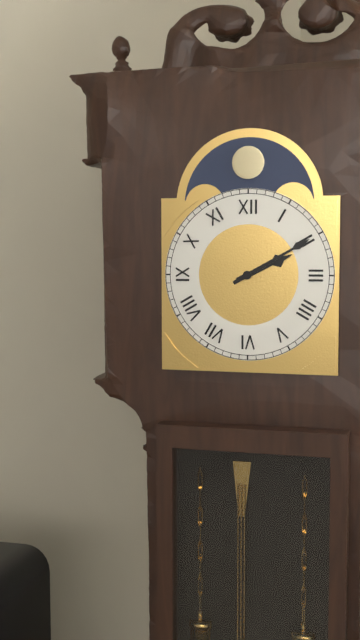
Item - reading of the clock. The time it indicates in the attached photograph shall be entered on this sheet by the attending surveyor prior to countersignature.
2:10
